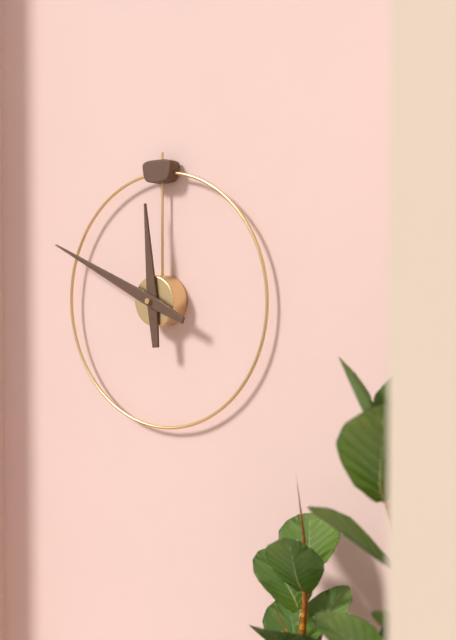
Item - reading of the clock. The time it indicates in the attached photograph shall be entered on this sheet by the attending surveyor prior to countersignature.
11:49
